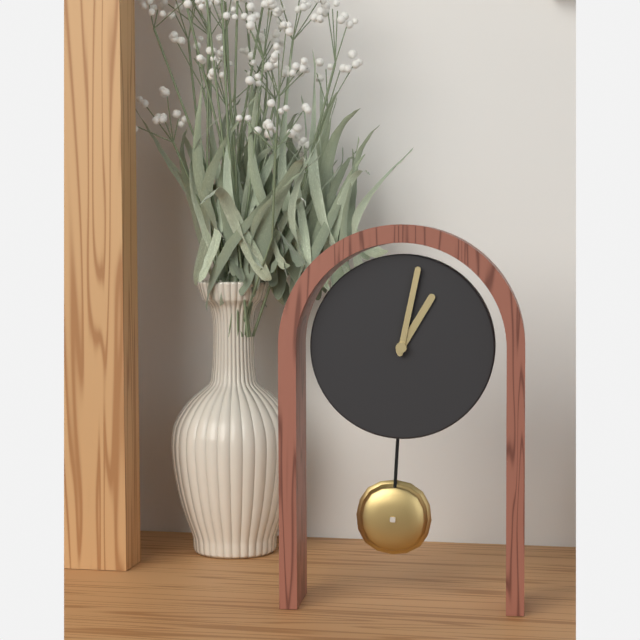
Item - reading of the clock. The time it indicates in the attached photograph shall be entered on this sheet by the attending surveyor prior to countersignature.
1:02
